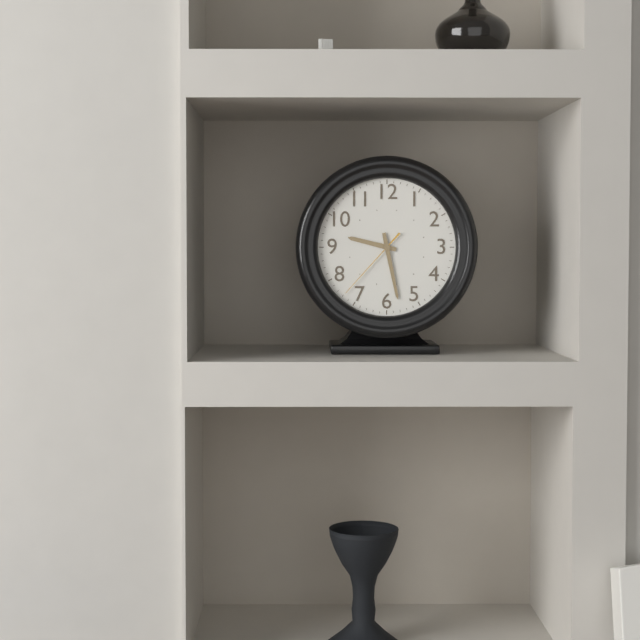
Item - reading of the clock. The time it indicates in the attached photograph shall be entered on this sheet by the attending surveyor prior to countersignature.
9:28:37
